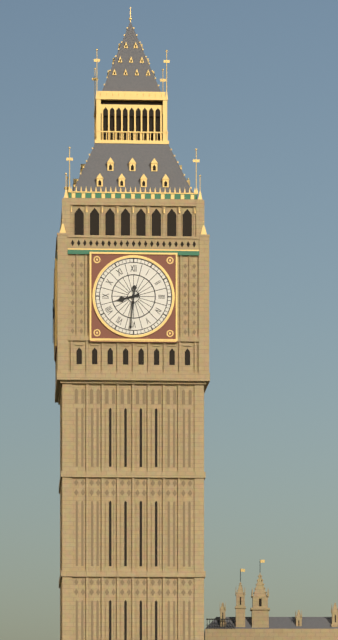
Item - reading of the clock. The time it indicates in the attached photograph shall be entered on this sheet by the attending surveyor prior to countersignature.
8:31
